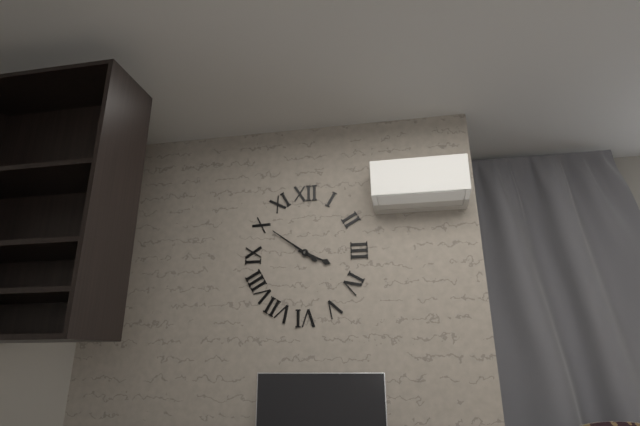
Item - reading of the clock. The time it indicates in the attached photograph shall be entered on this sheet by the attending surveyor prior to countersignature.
3:51
